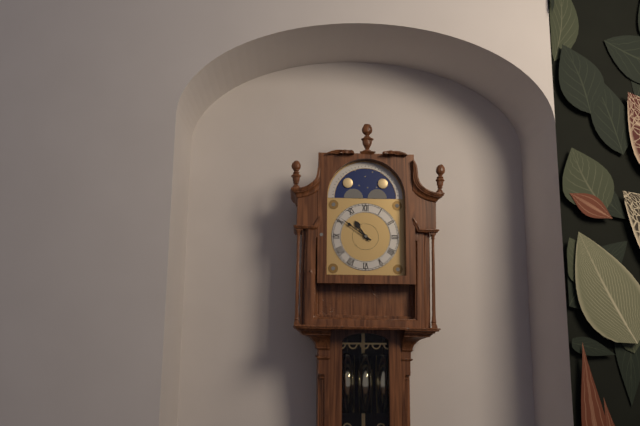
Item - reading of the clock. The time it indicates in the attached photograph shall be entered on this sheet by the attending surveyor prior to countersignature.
10:51
